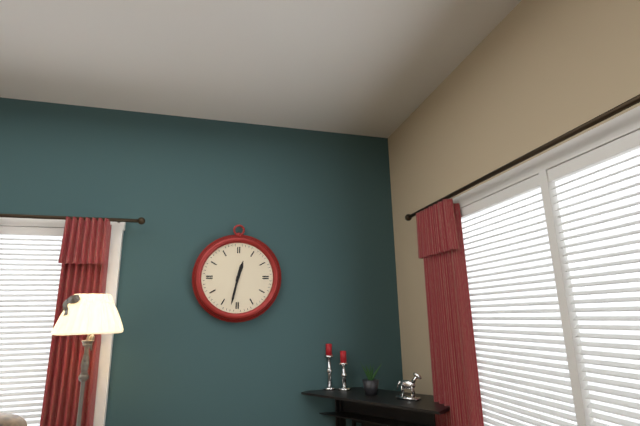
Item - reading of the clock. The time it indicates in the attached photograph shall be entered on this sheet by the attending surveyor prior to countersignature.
12:32
